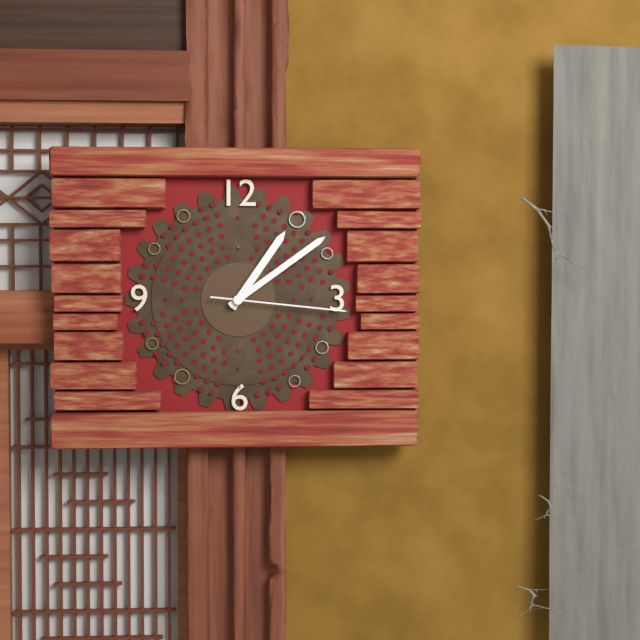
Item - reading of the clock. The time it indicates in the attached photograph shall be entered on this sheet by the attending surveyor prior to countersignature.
1:09:16
